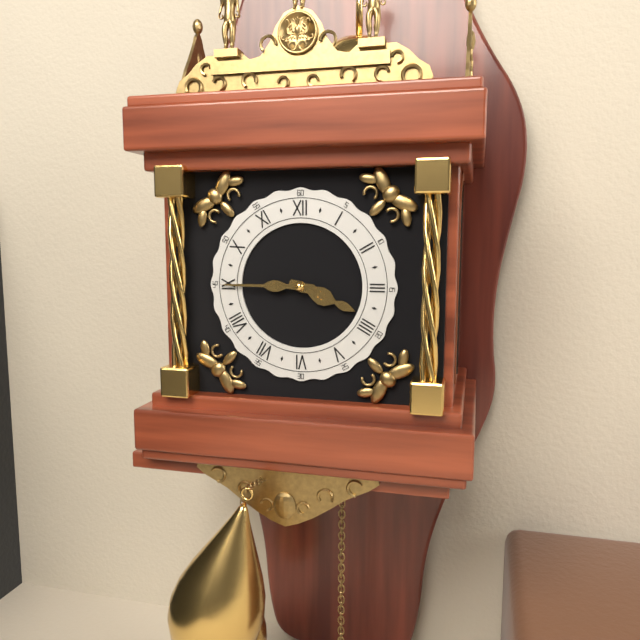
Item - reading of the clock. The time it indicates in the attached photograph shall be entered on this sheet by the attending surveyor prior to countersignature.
3:45
